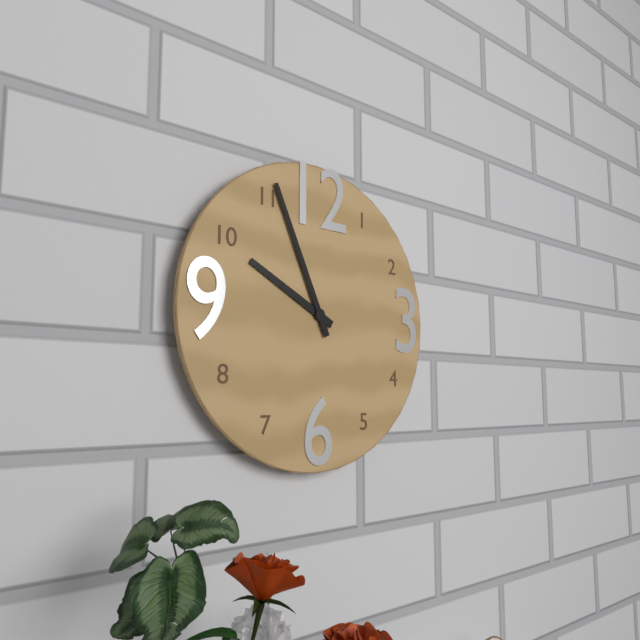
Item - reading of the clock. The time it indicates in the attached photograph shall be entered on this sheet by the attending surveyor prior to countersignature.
9:56
